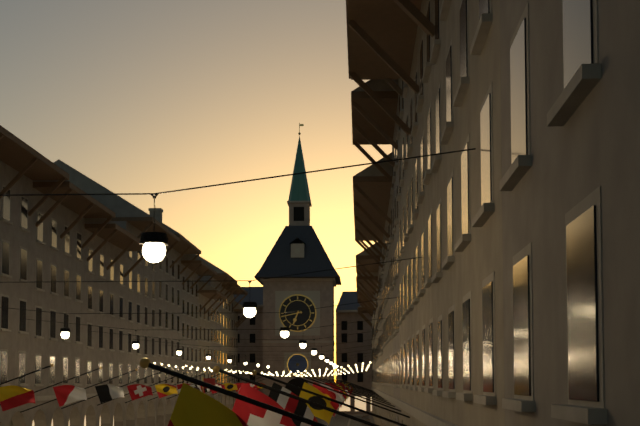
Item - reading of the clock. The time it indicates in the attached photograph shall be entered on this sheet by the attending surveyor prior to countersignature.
6:43
